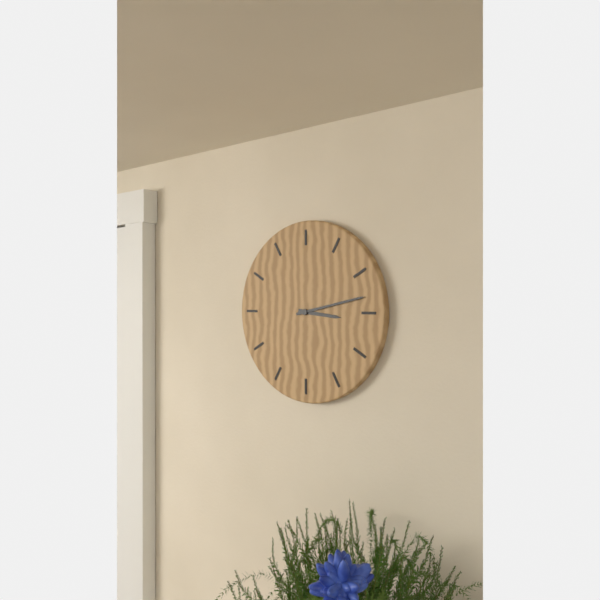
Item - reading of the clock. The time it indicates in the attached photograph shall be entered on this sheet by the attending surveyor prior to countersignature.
3:13
